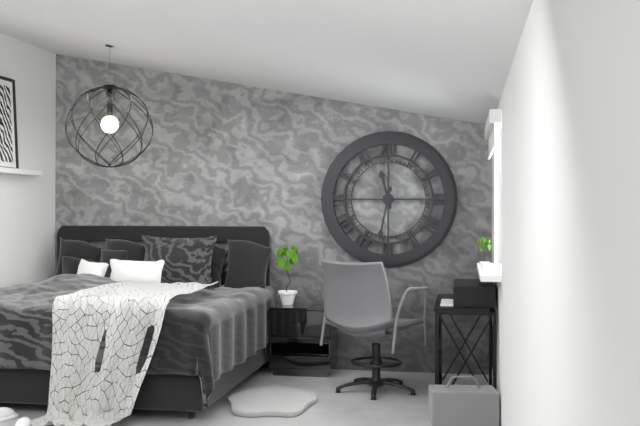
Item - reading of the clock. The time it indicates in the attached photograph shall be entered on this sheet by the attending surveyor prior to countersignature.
11:32
